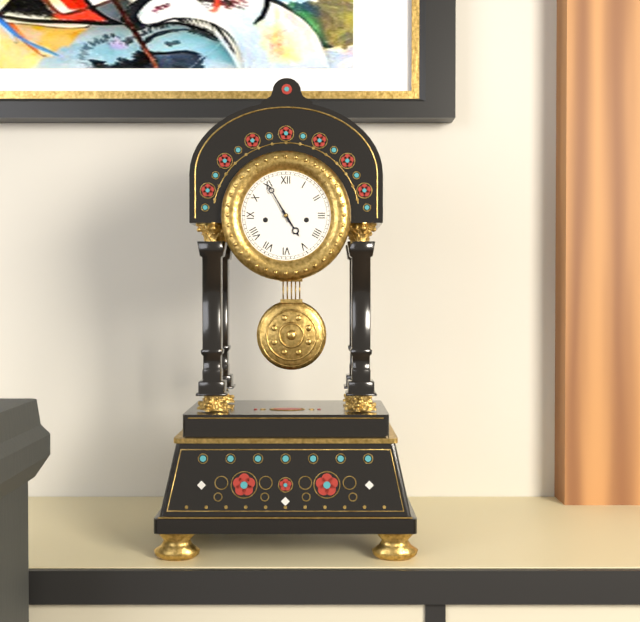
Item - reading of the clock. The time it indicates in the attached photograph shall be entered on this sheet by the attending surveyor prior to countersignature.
4:55
